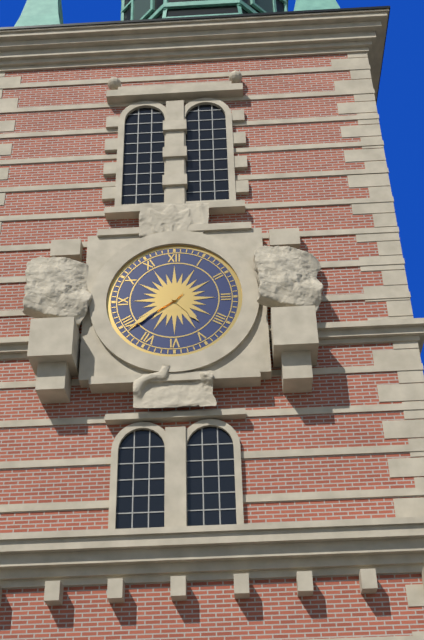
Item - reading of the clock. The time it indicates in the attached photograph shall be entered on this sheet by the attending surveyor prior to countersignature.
4:39
